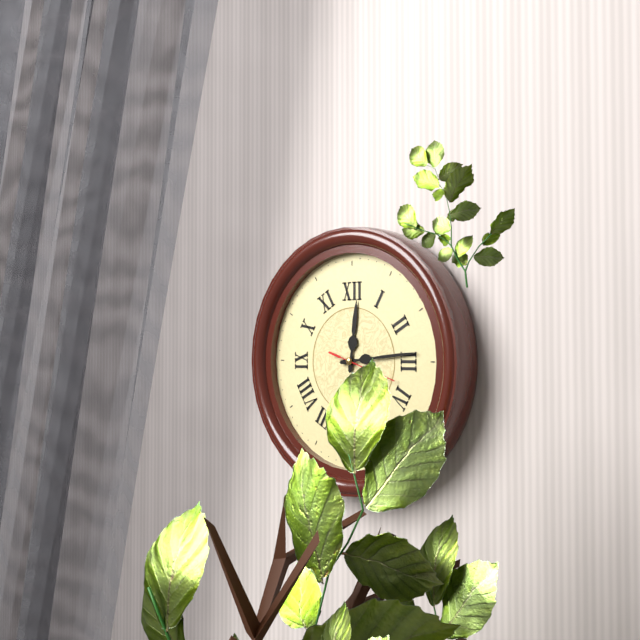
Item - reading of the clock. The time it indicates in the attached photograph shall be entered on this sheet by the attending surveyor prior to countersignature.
12:14:18
